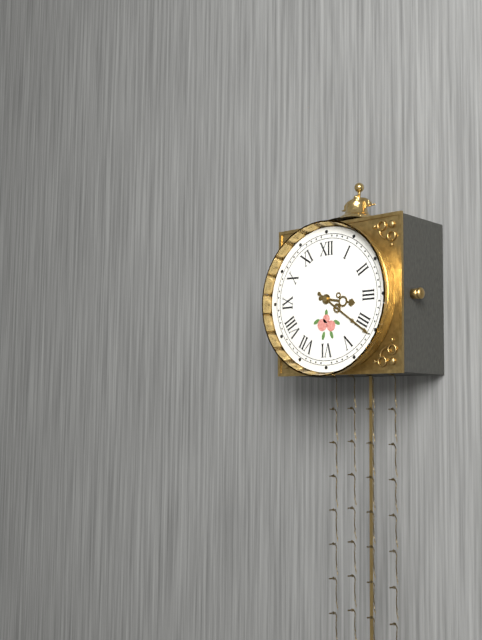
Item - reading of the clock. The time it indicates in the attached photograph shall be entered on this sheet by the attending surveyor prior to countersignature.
3:21
